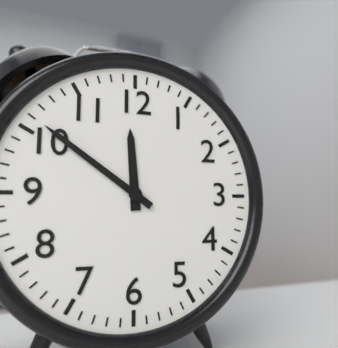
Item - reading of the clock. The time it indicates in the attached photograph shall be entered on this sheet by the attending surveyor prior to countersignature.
11:51
